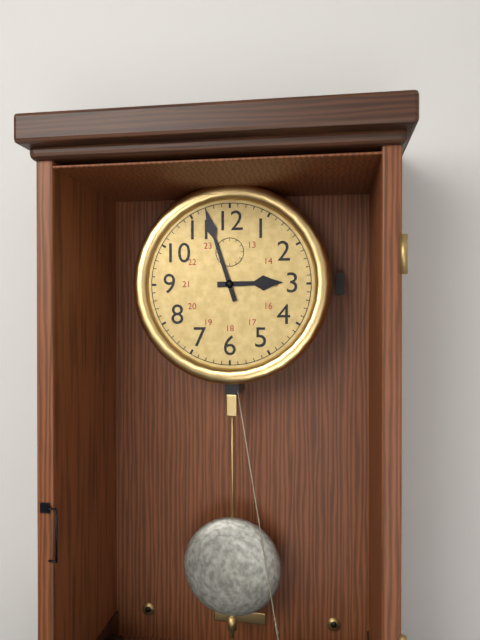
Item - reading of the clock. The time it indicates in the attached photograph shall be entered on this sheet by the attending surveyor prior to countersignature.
2:57
